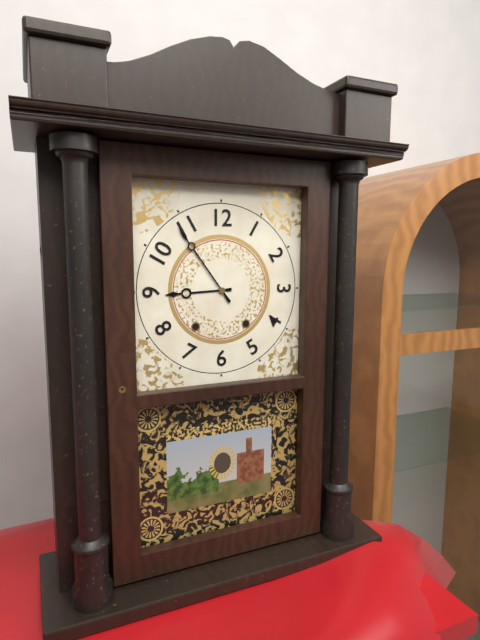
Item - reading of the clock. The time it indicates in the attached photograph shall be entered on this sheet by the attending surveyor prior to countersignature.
8:54
